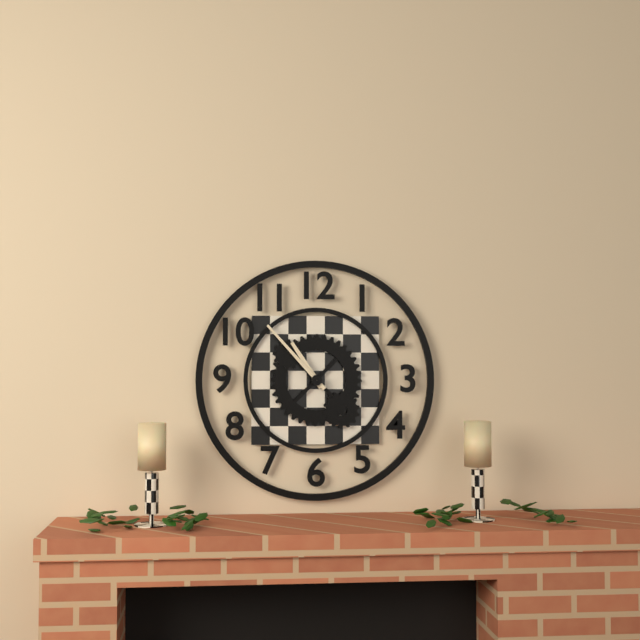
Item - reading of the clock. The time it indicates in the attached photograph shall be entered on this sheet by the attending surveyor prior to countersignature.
10:53
